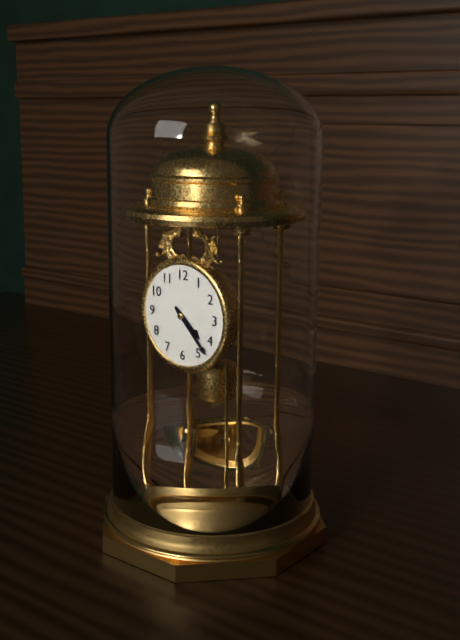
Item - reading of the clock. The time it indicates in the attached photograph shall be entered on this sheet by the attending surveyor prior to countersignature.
4:23
